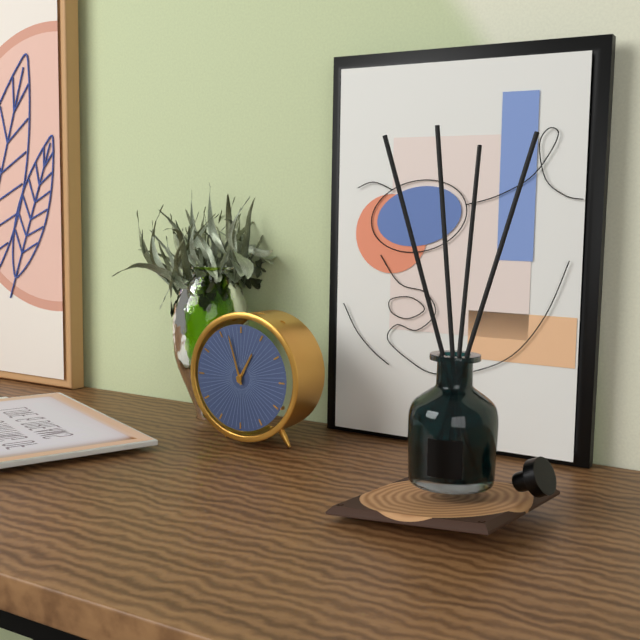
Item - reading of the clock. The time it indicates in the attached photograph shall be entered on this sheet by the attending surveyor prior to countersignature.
12:57
